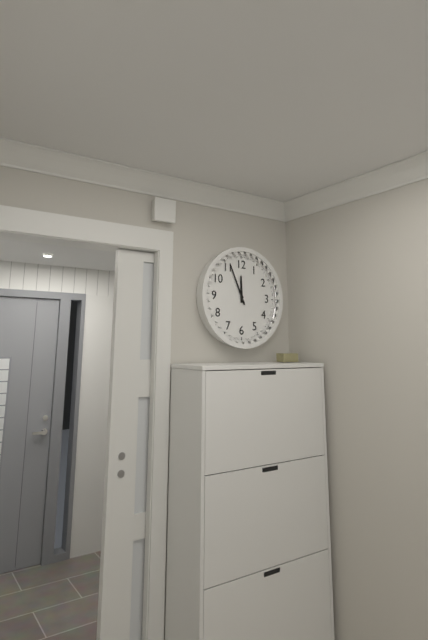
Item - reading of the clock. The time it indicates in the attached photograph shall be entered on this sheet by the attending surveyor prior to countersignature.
11:56
